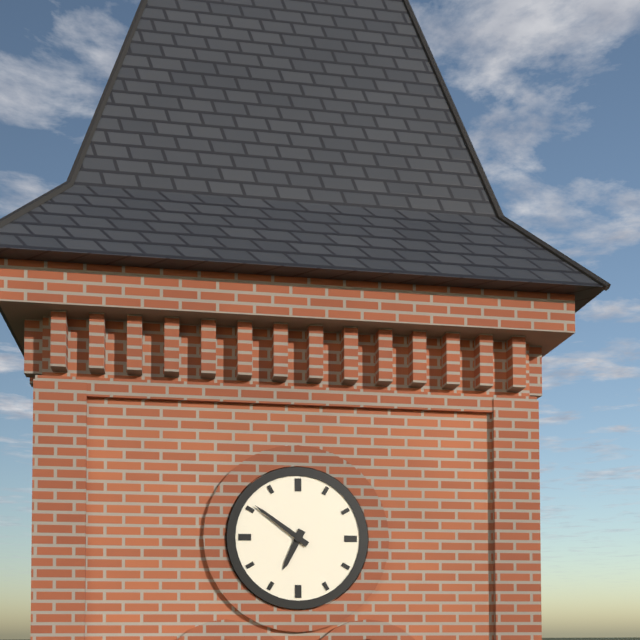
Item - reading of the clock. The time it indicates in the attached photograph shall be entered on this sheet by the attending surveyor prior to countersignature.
6:51
